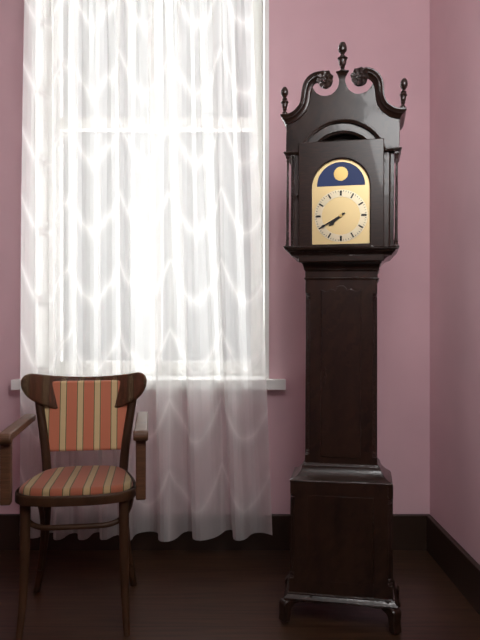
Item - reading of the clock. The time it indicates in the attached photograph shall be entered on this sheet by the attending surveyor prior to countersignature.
7:40
